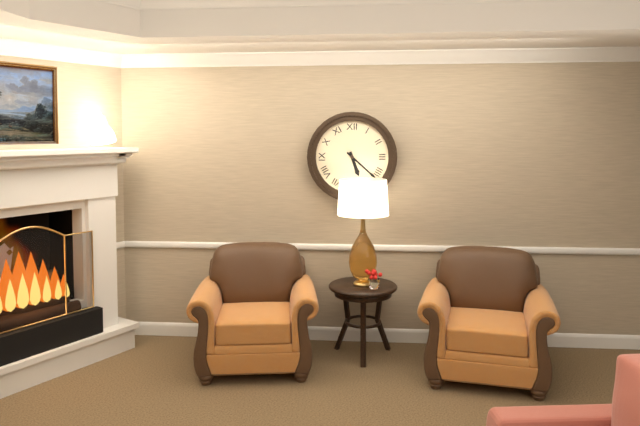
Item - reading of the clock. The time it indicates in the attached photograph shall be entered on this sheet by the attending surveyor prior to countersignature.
5:22
